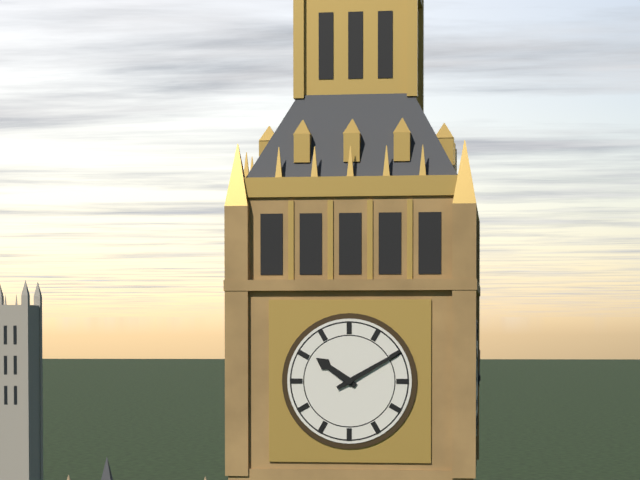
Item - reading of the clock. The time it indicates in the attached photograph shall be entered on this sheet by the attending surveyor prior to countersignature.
10:10
